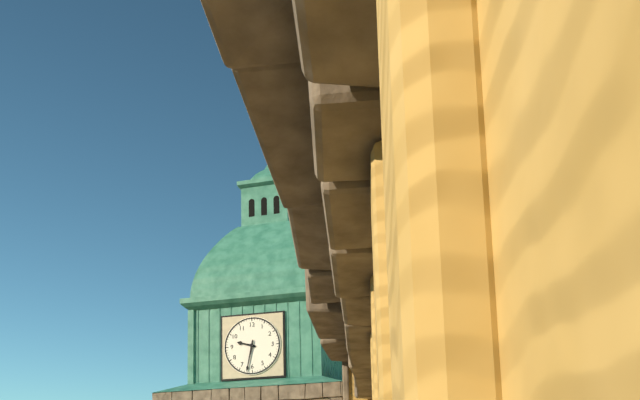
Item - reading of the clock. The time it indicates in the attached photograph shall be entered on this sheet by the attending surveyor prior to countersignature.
9:32
